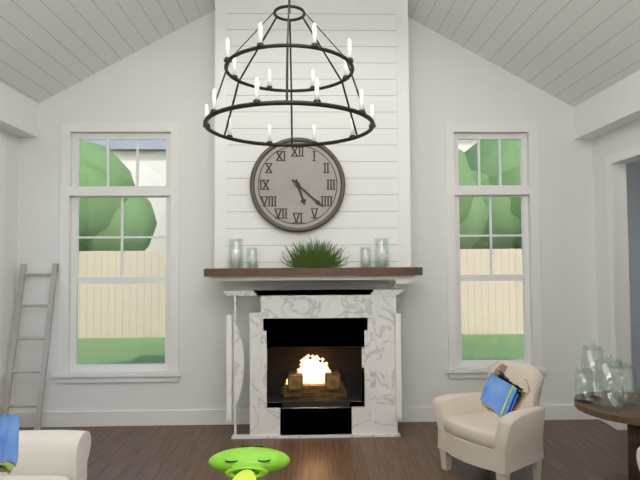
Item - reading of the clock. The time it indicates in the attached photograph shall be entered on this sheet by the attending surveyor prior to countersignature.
5:22
